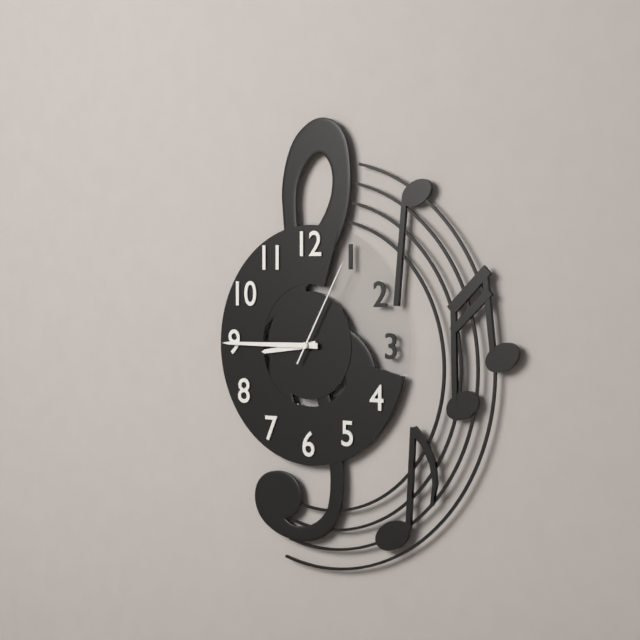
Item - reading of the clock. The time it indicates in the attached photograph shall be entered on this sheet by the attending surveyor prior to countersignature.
8:45:05
